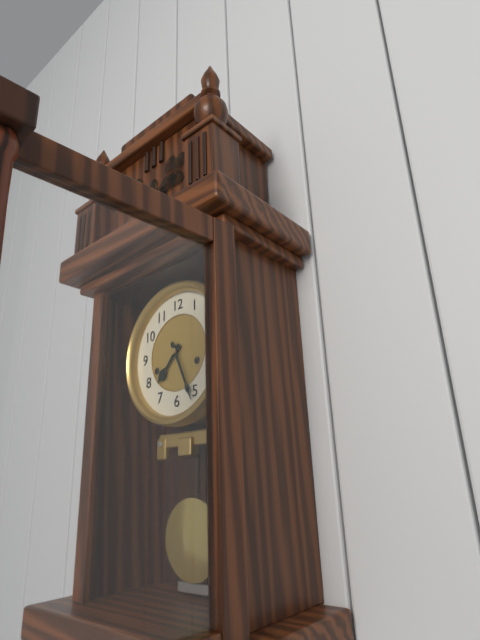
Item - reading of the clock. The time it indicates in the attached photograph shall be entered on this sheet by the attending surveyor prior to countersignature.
7:26
